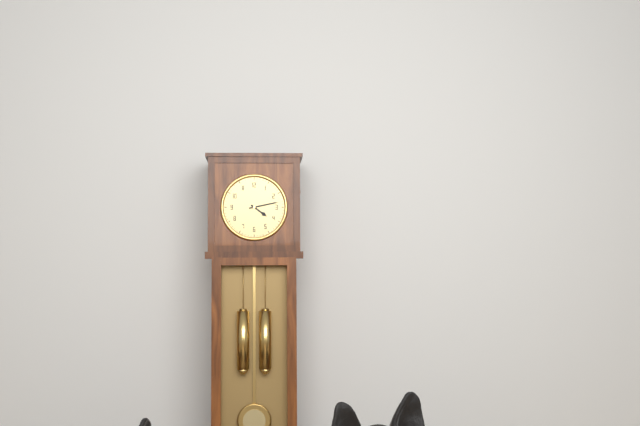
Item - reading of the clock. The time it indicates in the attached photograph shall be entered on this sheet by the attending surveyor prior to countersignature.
4:13
